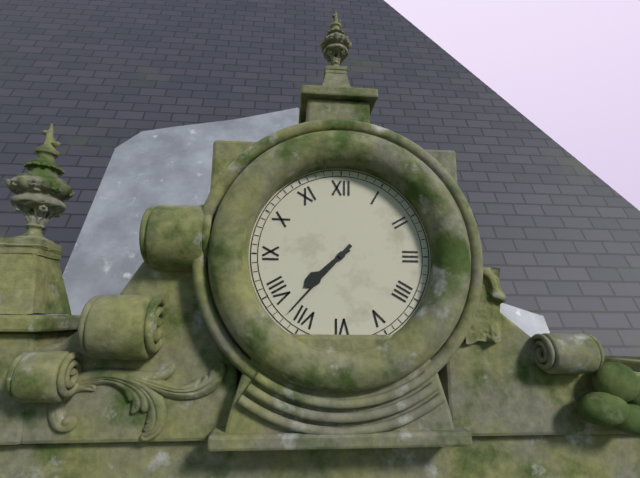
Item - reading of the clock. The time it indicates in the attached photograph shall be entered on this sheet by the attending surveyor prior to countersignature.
7:37
